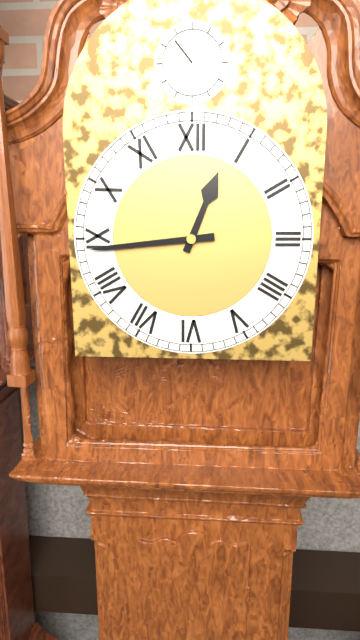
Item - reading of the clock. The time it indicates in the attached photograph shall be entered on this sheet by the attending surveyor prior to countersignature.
12:44
